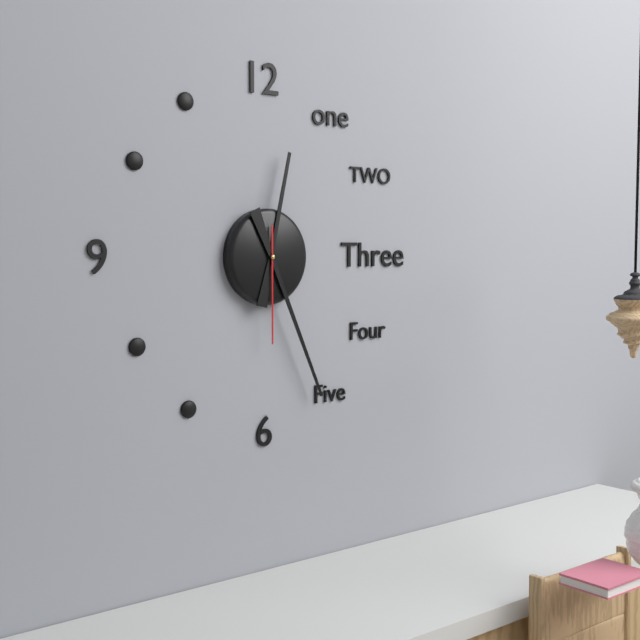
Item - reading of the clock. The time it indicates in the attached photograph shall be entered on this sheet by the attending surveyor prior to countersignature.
12:26:30
